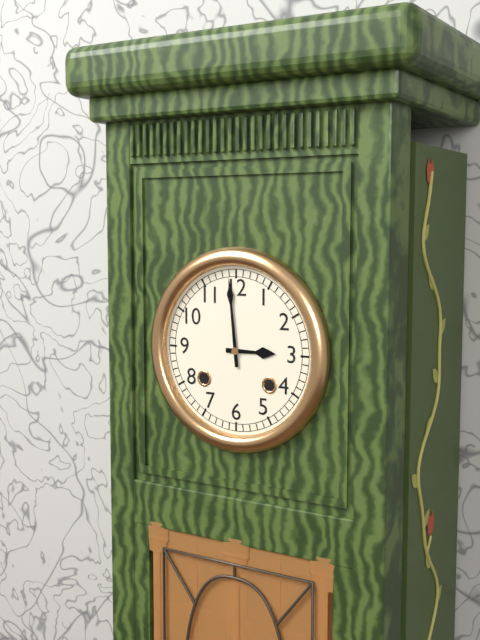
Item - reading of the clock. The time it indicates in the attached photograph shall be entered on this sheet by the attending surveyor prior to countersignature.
2:59
